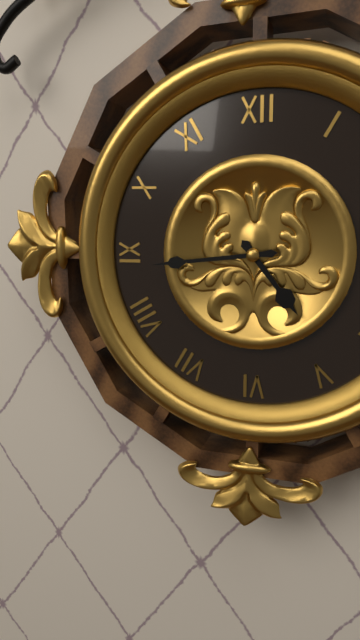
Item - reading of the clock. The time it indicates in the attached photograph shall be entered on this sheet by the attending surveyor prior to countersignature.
4:44
